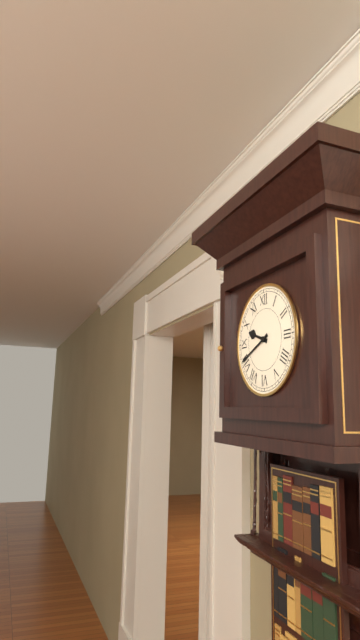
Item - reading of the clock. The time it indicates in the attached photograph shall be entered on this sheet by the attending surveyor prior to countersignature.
9:41
